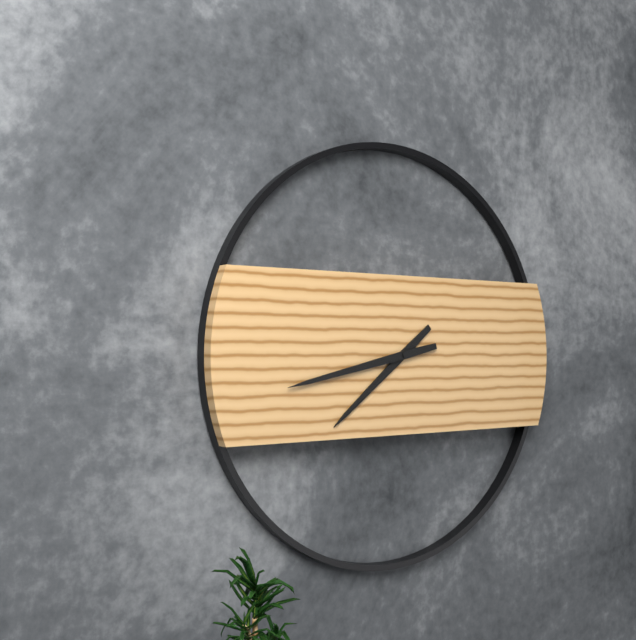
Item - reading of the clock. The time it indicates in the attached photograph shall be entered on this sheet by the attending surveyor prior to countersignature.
7:43
